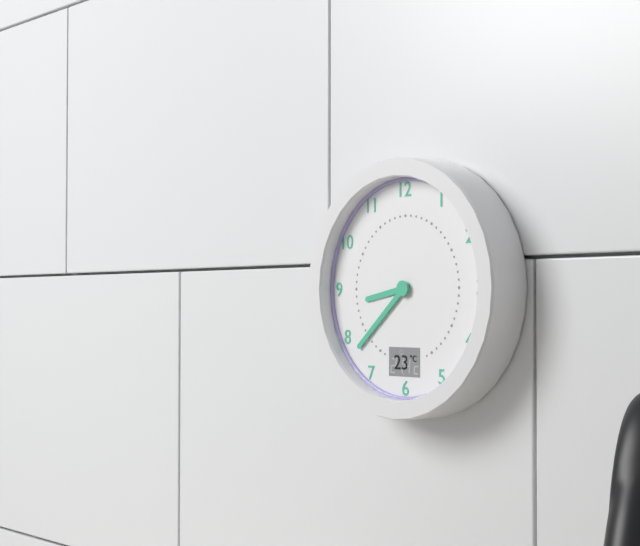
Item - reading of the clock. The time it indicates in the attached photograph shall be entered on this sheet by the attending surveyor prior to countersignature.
8:38
